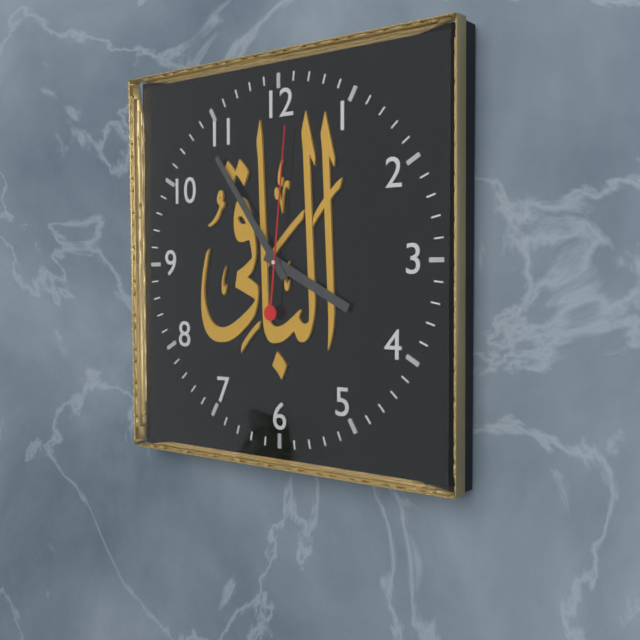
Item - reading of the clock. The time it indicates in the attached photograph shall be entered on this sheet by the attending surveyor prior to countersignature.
3:54:01
